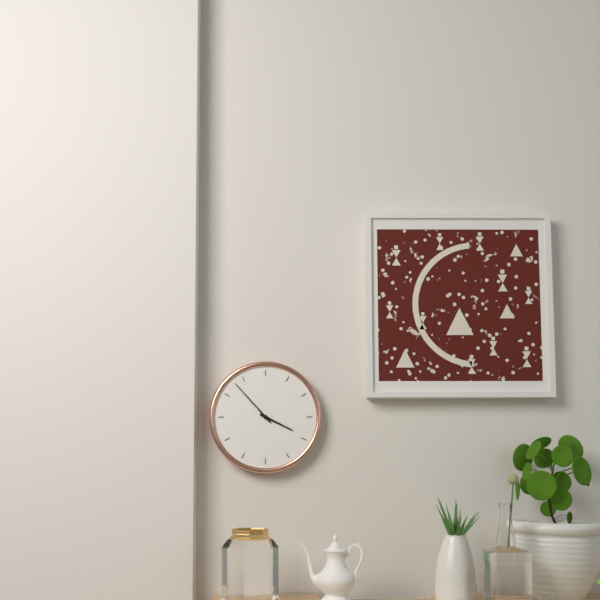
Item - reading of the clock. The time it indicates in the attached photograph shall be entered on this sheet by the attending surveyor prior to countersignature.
3:53
